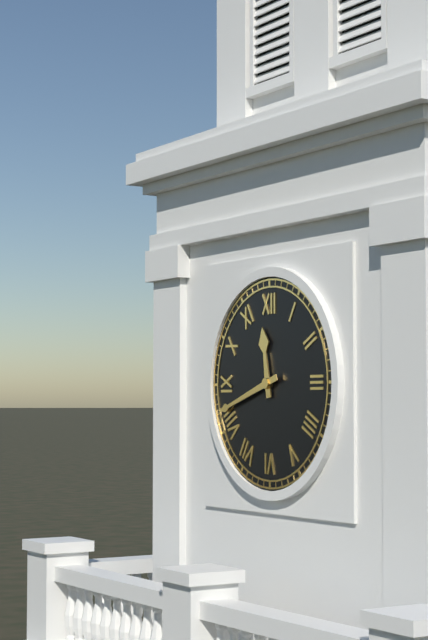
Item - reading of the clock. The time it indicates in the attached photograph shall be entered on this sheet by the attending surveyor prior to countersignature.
11:42
